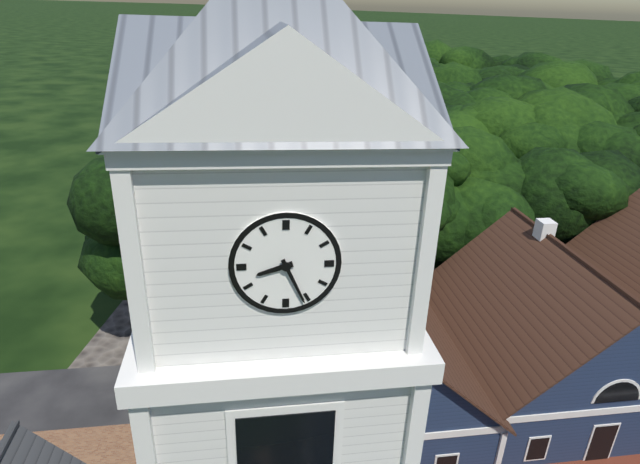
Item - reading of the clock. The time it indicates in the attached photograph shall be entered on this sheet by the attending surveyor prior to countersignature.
8:26
